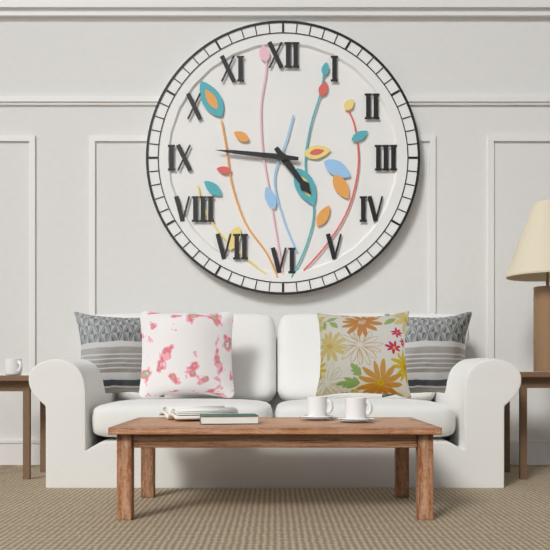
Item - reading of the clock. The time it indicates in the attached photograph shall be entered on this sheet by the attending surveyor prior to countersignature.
4:46
